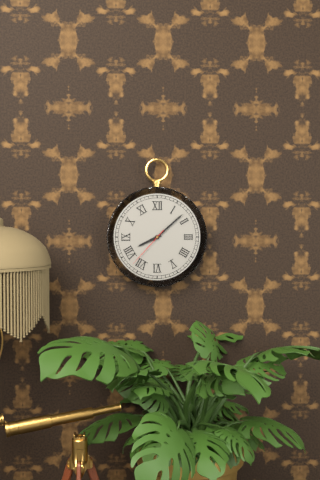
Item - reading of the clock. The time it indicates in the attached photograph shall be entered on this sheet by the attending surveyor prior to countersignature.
8:08
